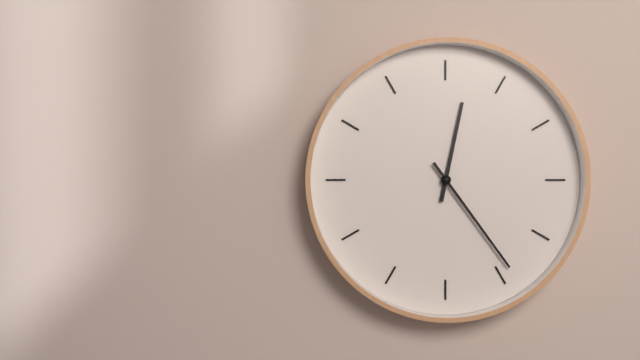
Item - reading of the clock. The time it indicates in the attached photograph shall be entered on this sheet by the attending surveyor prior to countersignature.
12:24
